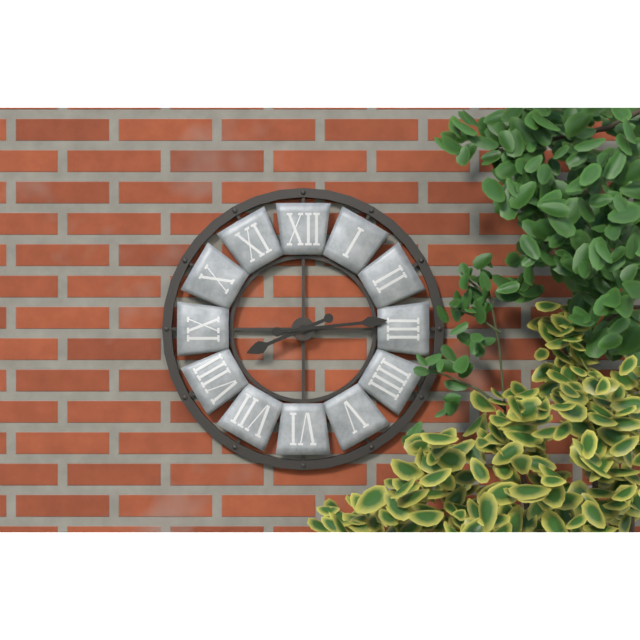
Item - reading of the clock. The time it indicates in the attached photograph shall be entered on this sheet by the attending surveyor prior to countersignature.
8:14
